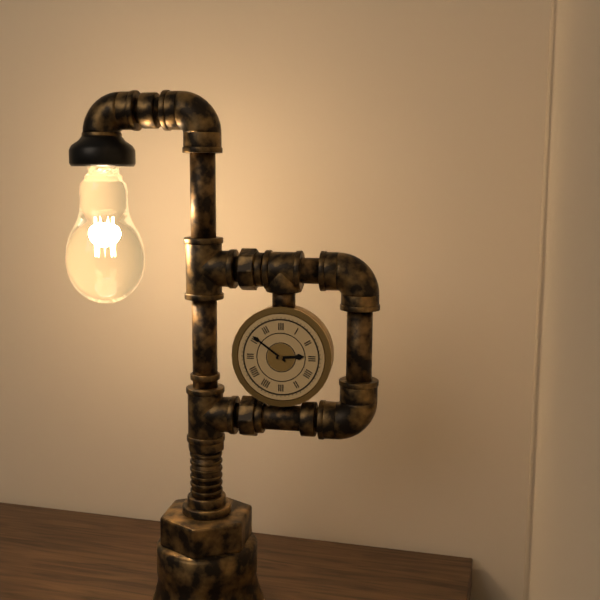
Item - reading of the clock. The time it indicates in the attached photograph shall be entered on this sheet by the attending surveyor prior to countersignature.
2:51
